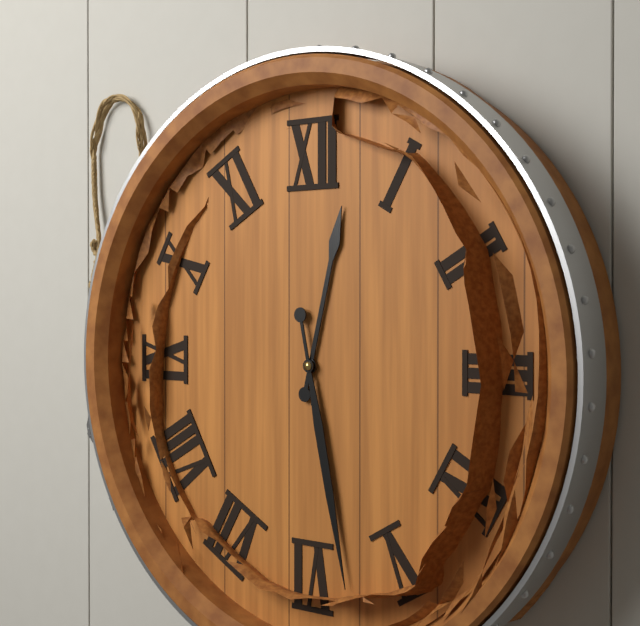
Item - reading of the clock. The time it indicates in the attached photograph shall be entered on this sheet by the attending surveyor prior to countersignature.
12:28
